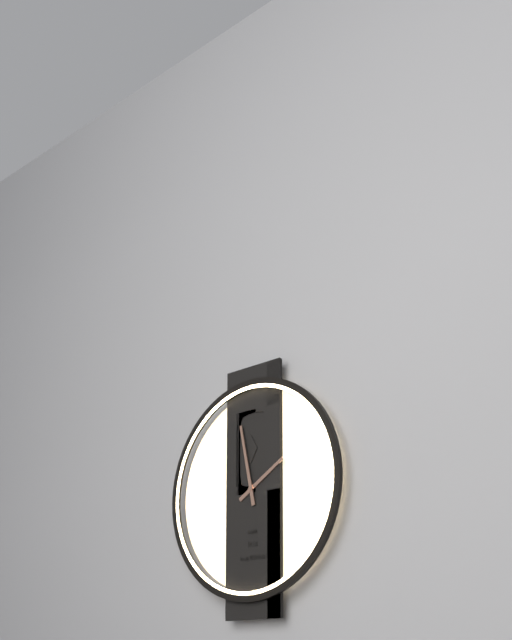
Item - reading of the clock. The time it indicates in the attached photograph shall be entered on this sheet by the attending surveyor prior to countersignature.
1:58
